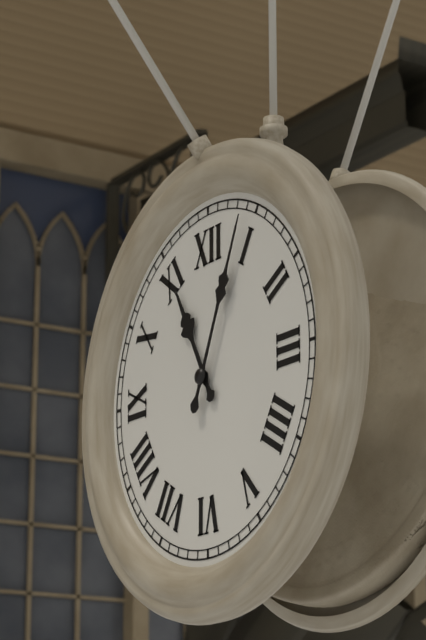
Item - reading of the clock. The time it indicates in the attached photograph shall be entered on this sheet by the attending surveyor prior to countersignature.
11:04
